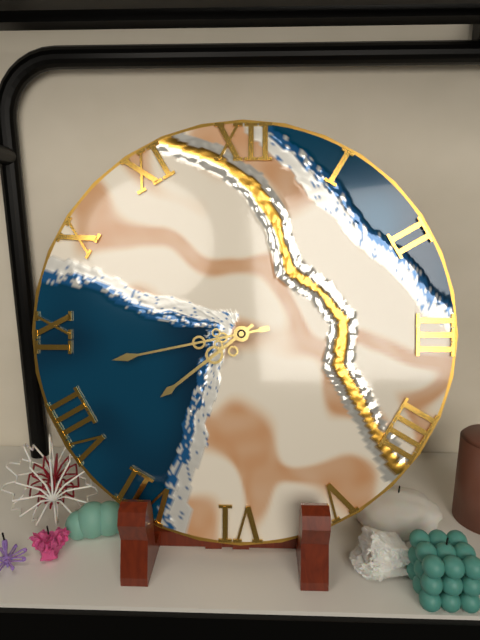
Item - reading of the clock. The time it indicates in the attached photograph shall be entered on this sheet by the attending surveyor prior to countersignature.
7:43
